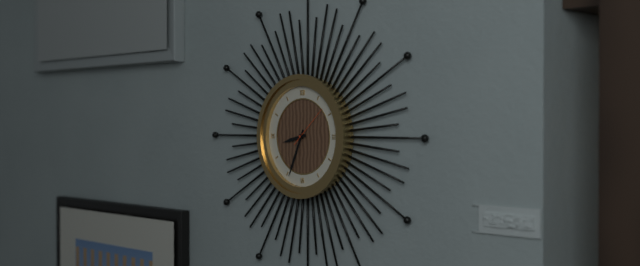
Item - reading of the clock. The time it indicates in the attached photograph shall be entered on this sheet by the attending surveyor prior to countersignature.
8:34
